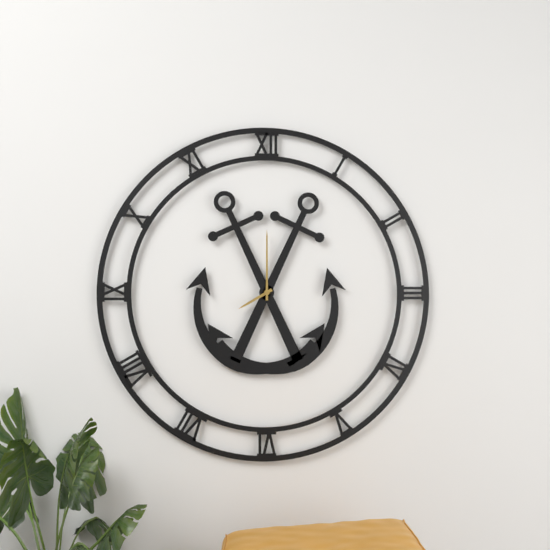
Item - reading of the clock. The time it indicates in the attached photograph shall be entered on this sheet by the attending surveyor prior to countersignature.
8:00
